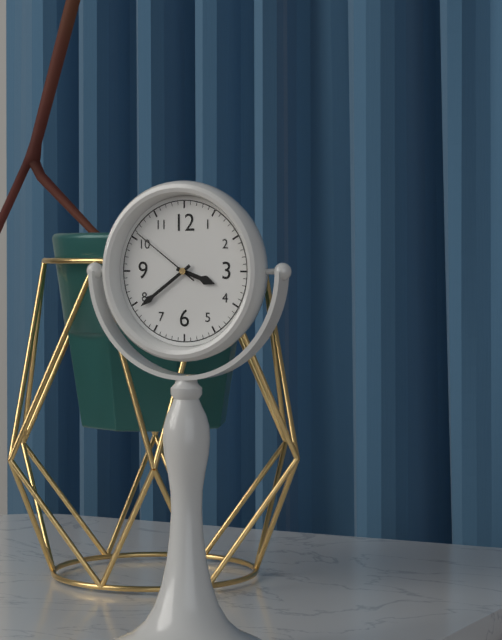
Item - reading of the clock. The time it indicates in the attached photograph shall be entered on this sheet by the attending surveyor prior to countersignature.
3:39:51
